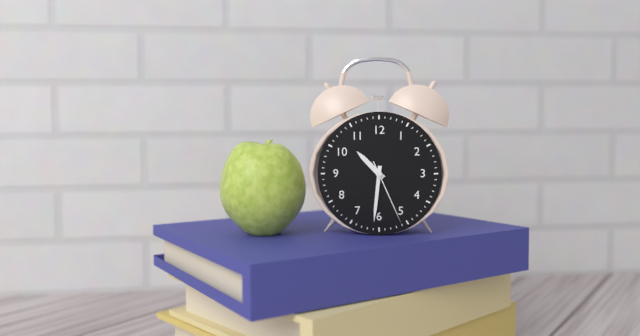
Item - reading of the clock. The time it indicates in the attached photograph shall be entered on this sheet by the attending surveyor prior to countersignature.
10:31:26
